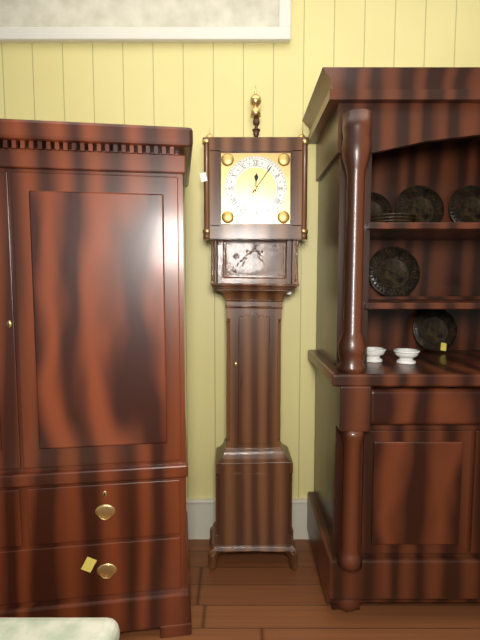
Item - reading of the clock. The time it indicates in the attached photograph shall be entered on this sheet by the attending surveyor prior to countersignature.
12:06
